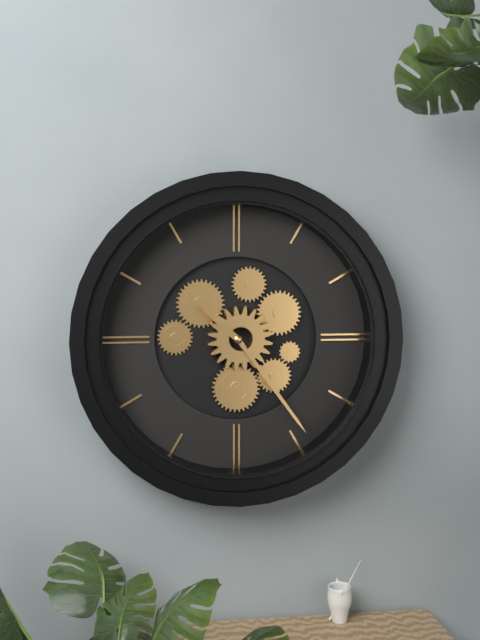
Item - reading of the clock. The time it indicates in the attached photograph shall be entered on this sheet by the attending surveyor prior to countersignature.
10:24
